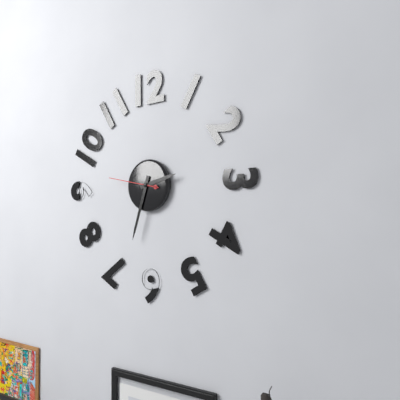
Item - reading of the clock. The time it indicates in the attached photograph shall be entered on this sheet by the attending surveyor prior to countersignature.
2:33
